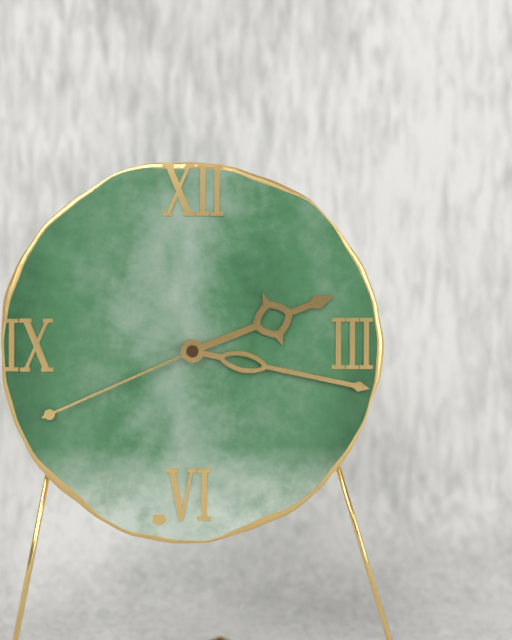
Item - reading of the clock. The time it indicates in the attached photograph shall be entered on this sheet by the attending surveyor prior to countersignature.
2:17:41
